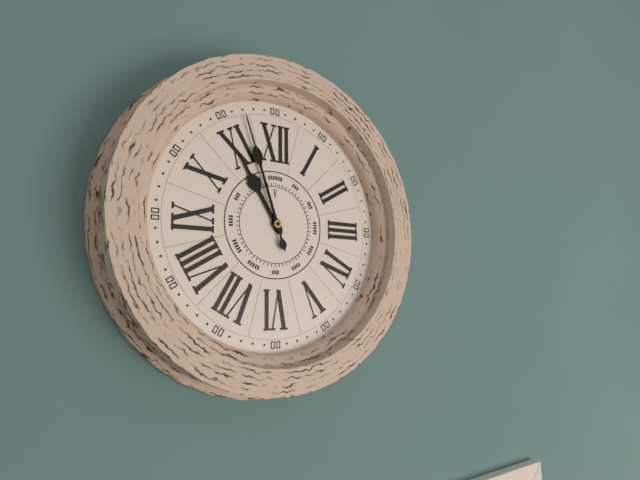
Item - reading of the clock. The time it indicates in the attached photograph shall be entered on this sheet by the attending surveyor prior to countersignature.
10:57
